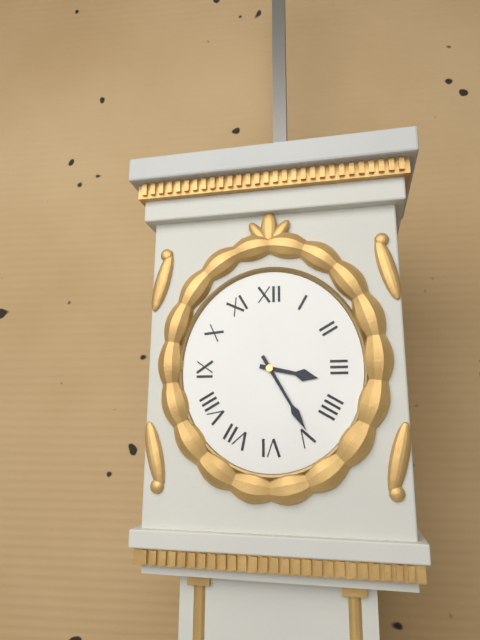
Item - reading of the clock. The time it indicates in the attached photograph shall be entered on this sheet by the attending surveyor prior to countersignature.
3:25
